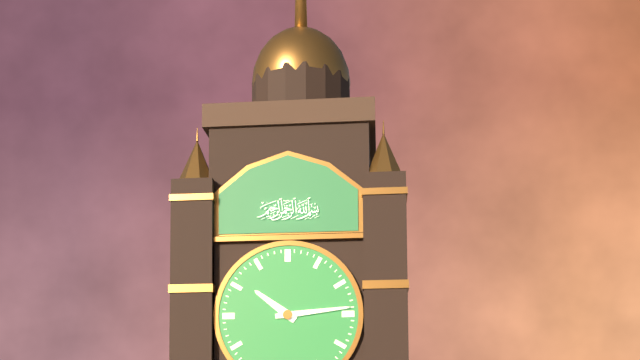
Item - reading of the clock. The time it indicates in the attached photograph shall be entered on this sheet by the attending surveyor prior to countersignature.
10:14
